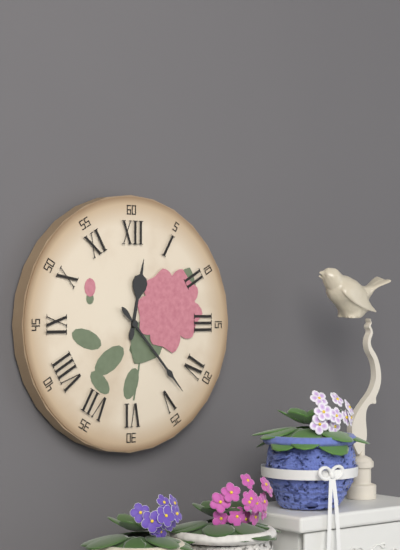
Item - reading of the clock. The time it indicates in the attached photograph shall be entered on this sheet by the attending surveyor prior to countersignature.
12:23
